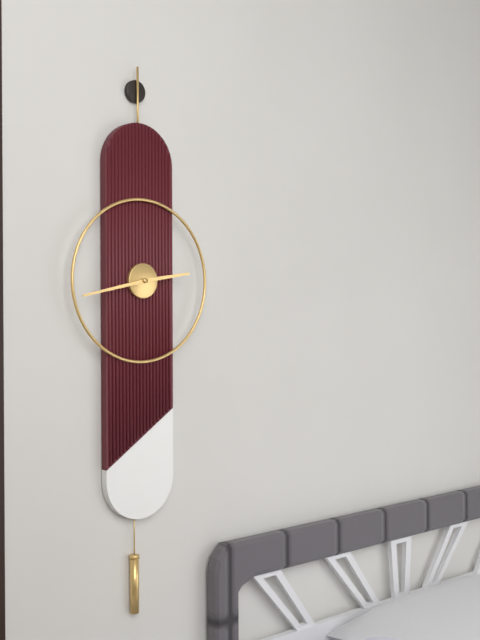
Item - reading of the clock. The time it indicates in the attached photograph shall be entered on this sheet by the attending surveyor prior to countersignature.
2:43
